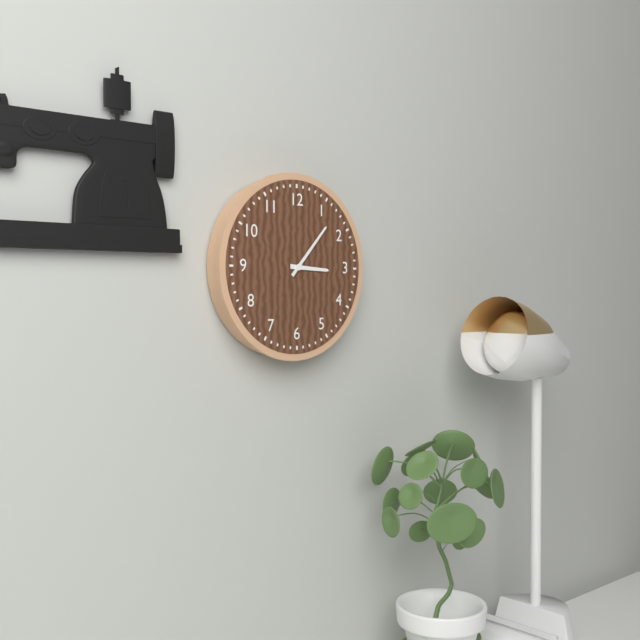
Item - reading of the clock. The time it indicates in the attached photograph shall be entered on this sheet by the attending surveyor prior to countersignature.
3:07
